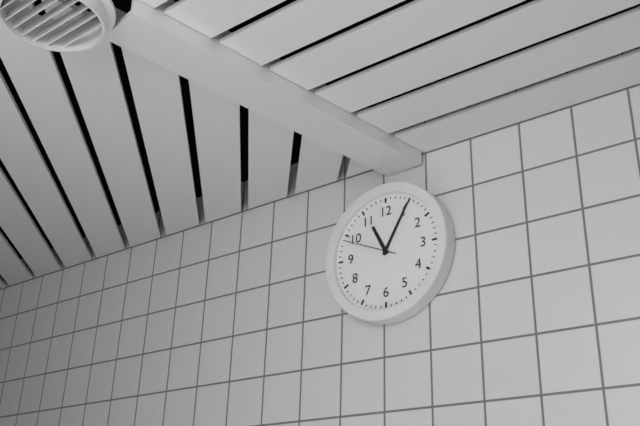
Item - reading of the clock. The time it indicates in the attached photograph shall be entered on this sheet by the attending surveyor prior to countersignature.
11:05:49
